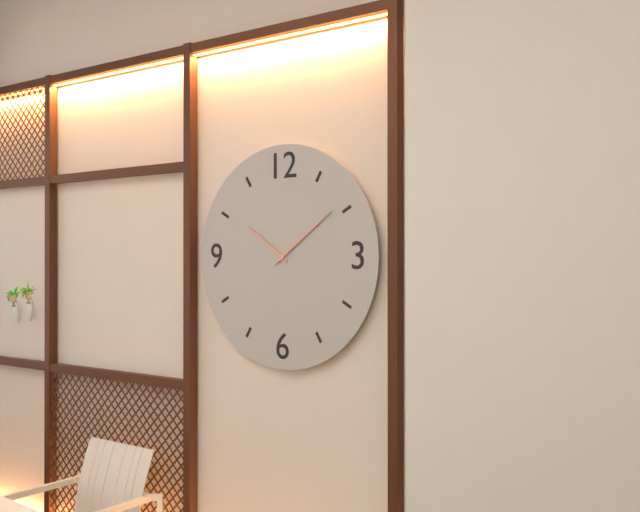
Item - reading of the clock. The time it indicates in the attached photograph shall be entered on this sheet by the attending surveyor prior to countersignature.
10:09
